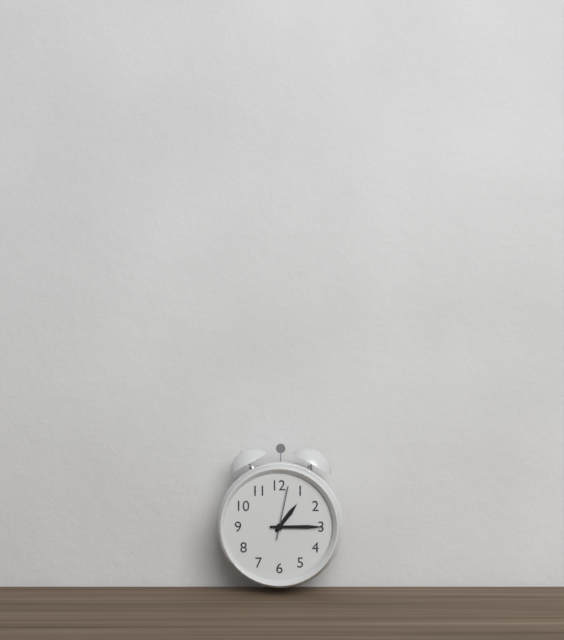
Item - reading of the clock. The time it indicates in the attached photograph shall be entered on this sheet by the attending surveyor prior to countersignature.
1:15:02
